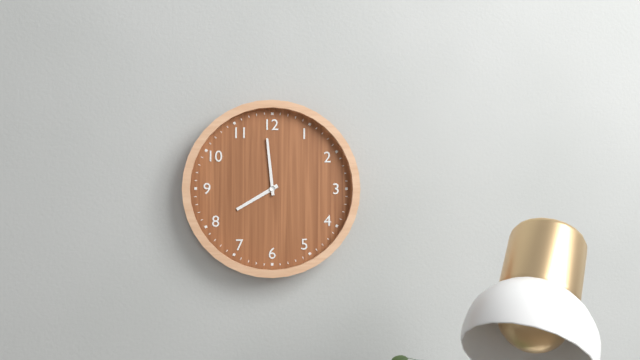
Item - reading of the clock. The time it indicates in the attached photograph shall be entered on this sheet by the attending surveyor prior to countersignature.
7:59
